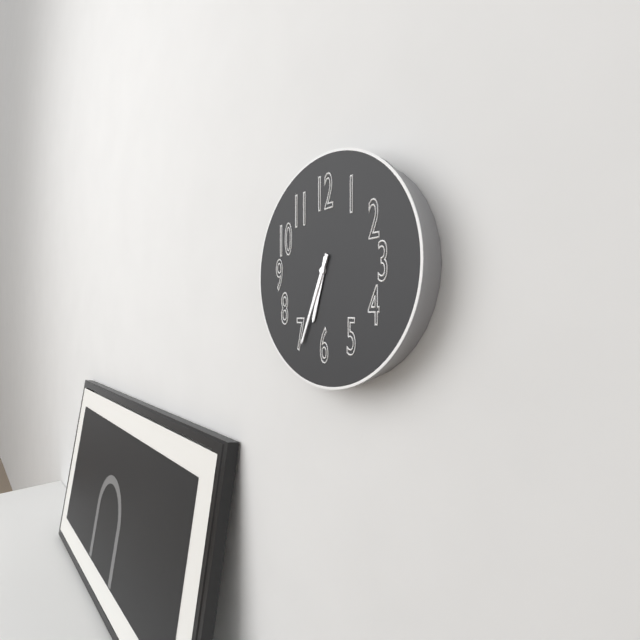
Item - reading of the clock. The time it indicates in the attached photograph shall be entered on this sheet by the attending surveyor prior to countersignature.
6:34
